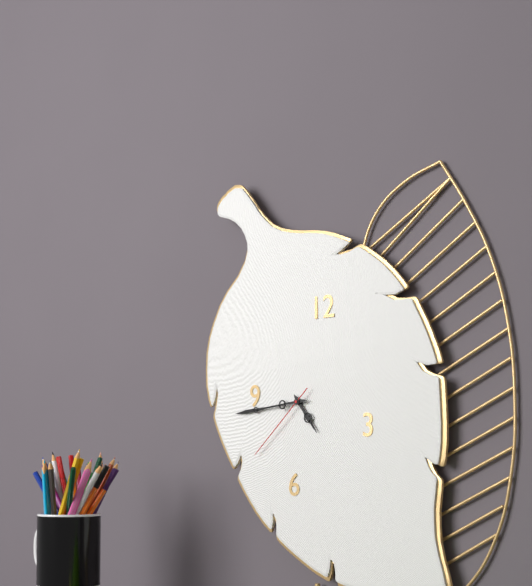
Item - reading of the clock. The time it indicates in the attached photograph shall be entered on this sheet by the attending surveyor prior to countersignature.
4:44:38
